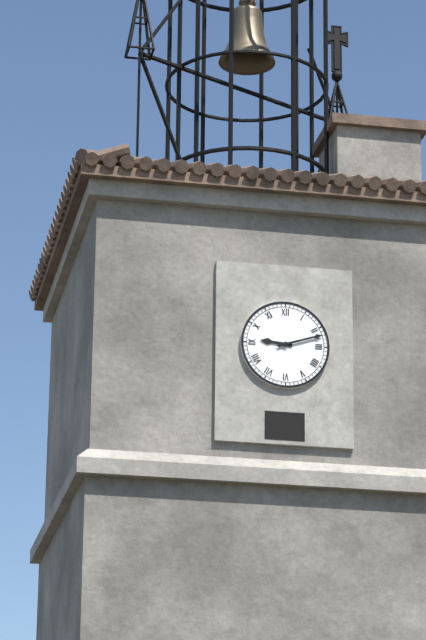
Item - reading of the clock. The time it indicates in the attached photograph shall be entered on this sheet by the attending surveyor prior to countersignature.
9:12
